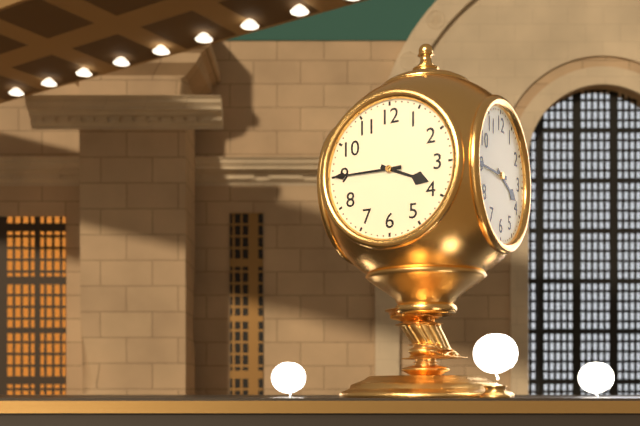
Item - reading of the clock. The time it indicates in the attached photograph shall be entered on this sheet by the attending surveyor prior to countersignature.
3:45
